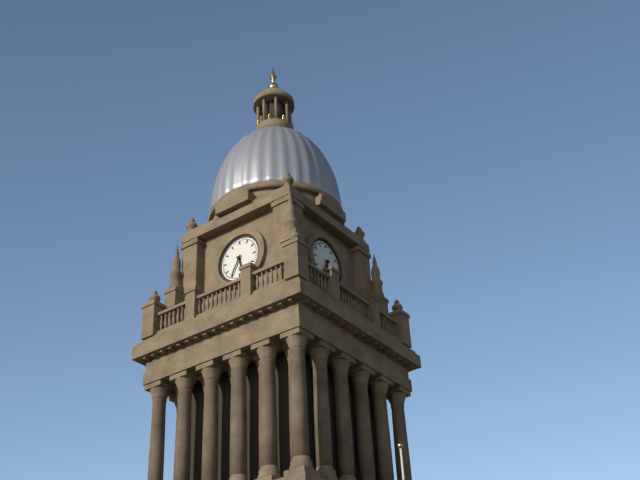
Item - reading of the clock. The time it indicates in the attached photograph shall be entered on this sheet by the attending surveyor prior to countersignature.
5:35
